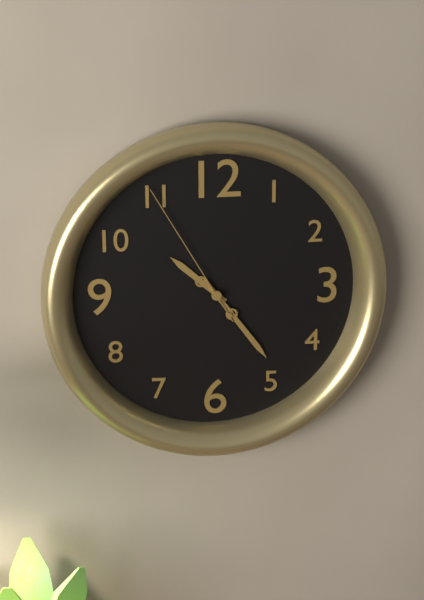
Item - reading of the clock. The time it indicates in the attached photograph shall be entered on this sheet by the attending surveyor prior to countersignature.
10:24:55
